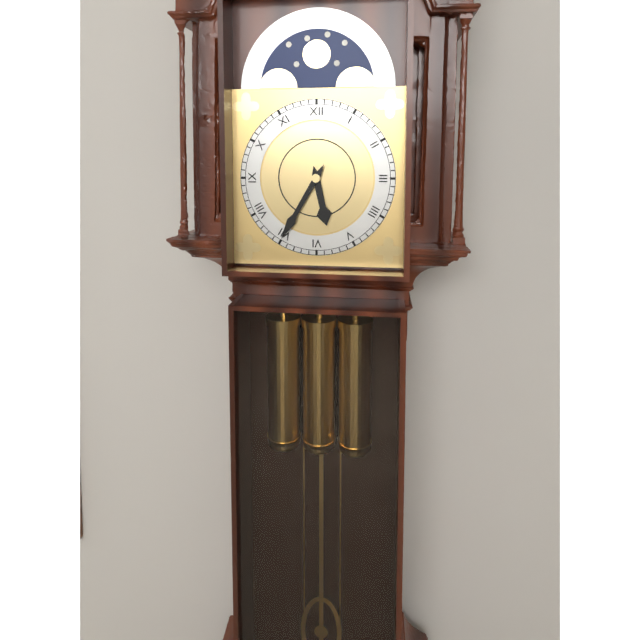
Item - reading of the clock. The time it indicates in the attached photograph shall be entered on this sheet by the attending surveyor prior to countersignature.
5:35
